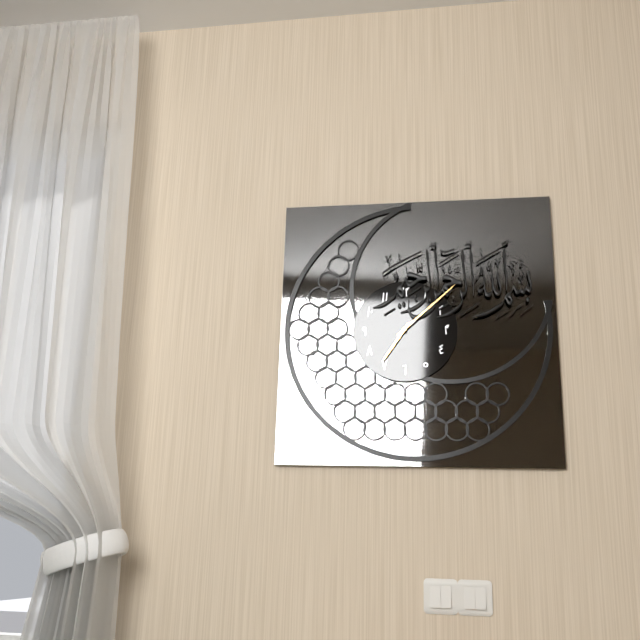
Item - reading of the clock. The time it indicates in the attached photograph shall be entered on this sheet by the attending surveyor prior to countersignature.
7:08
